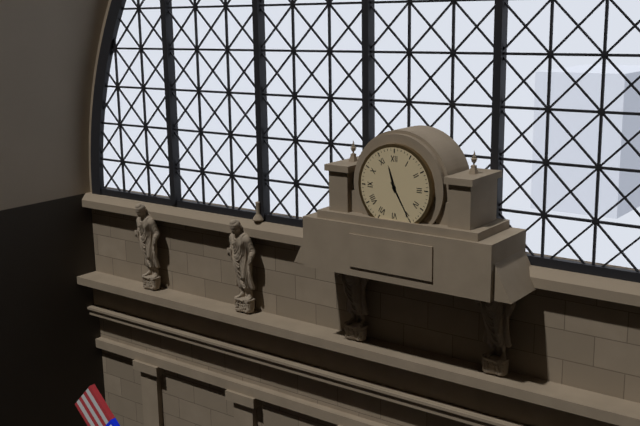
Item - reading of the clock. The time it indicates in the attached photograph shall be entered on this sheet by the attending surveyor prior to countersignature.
11:25
